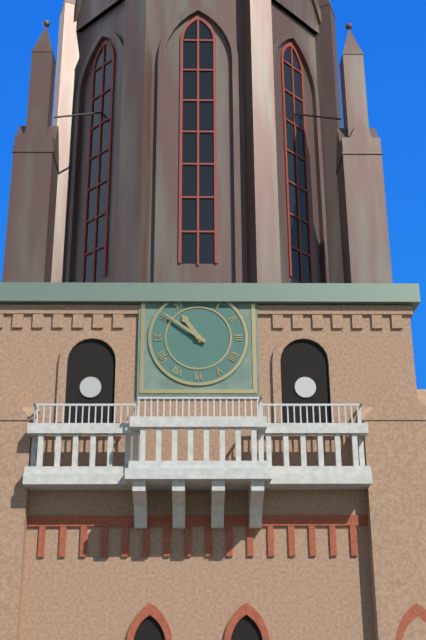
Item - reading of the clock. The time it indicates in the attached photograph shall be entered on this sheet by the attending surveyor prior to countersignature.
10:51
